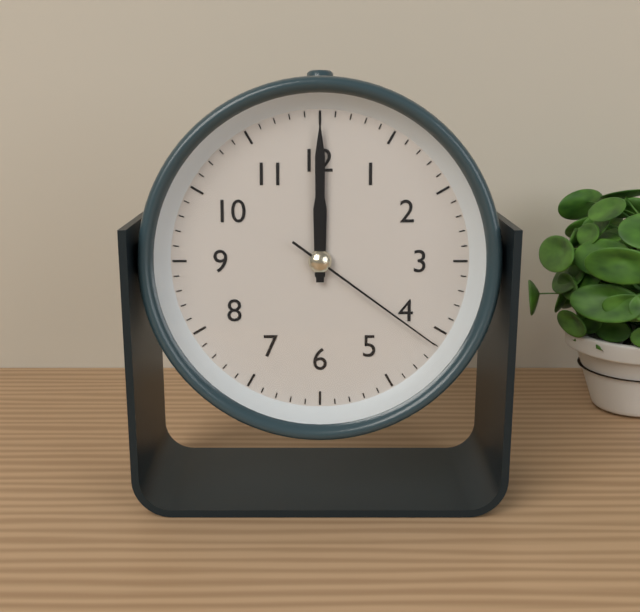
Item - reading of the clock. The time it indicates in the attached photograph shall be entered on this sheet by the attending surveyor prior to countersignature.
12:00:21
